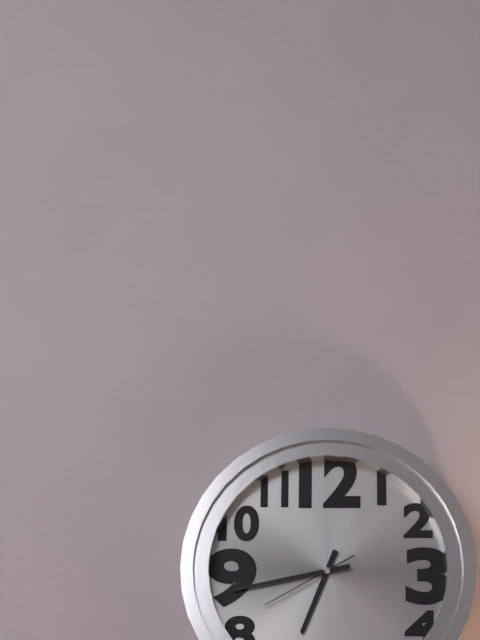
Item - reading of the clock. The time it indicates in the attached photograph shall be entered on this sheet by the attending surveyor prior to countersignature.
6:43:40
